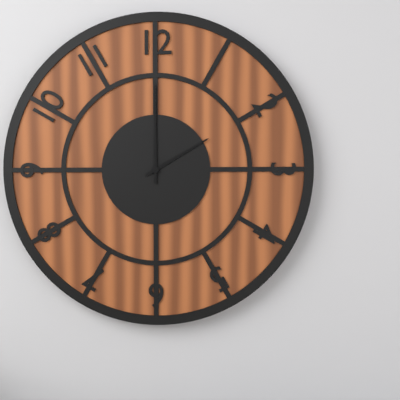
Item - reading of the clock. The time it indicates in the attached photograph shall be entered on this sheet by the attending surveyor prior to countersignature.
2:00
